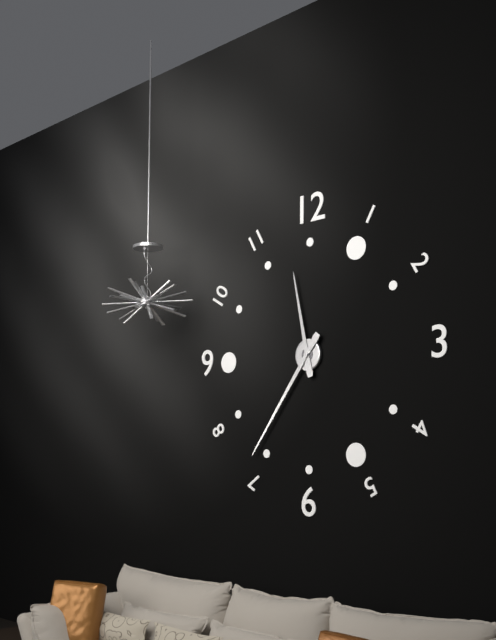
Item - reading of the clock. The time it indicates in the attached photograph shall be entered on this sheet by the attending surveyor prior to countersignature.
11:36
